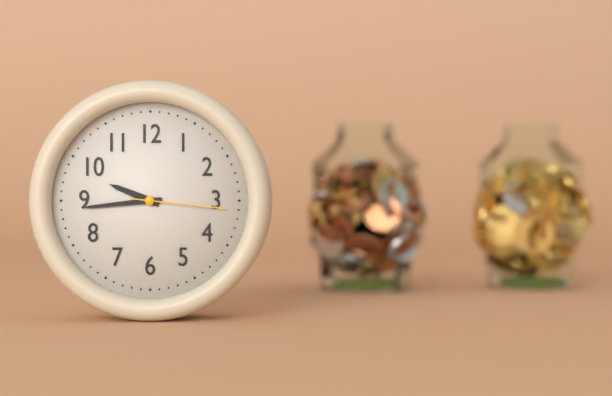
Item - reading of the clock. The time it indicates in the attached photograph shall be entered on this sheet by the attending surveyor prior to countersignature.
9:44:16
